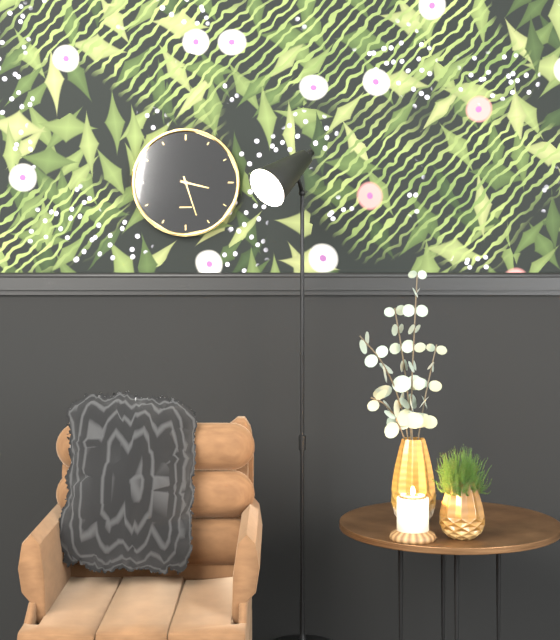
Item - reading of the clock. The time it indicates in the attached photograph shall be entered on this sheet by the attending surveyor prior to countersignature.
3:27
